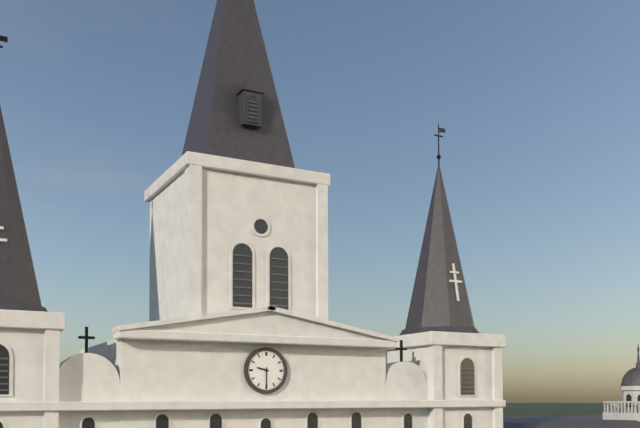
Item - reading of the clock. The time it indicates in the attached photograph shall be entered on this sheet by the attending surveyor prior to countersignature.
9:30
